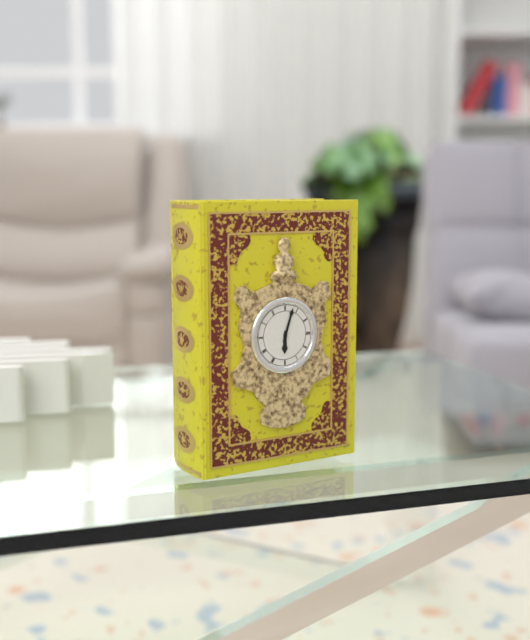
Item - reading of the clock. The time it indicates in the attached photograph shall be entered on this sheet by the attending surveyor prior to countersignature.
6:03
